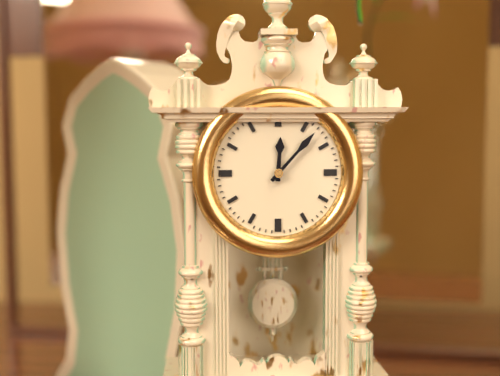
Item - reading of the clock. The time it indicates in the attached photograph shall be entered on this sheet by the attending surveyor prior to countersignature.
12:07
